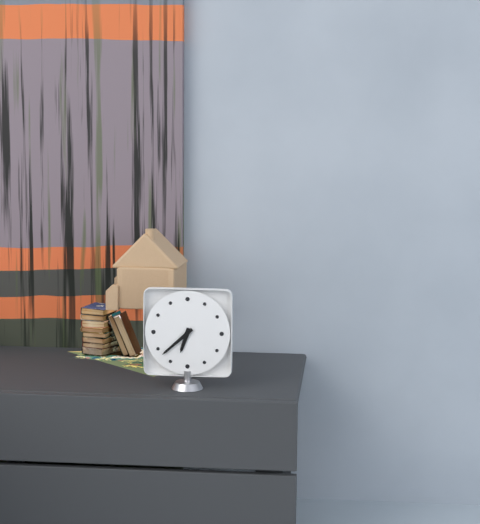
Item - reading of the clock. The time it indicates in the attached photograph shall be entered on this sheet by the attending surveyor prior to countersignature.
6:38
